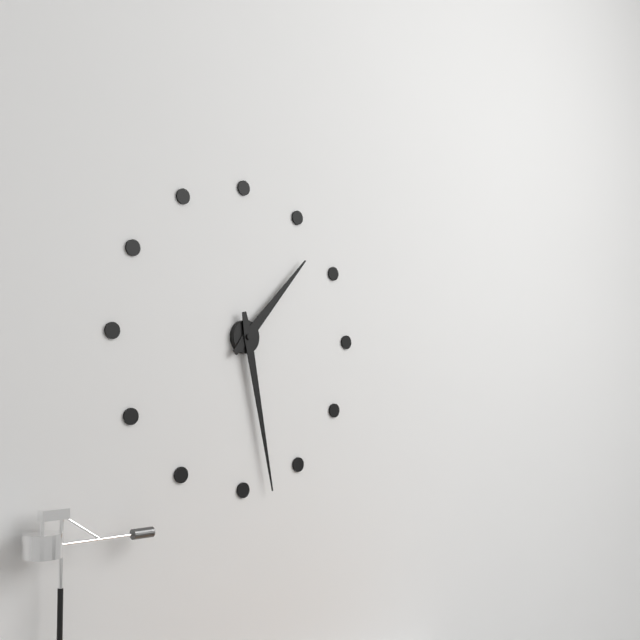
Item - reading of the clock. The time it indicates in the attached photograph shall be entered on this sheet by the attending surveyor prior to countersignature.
1:28
